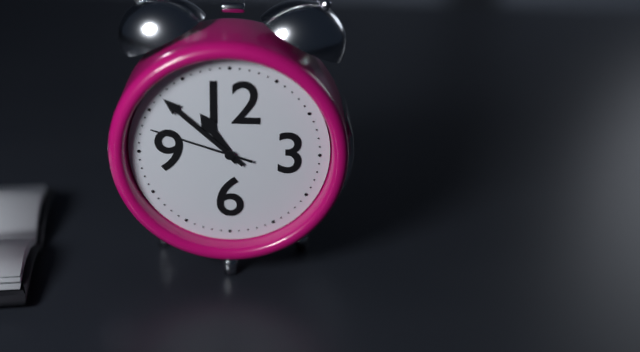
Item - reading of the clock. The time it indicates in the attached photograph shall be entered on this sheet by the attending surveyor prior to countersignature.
10:52:48
